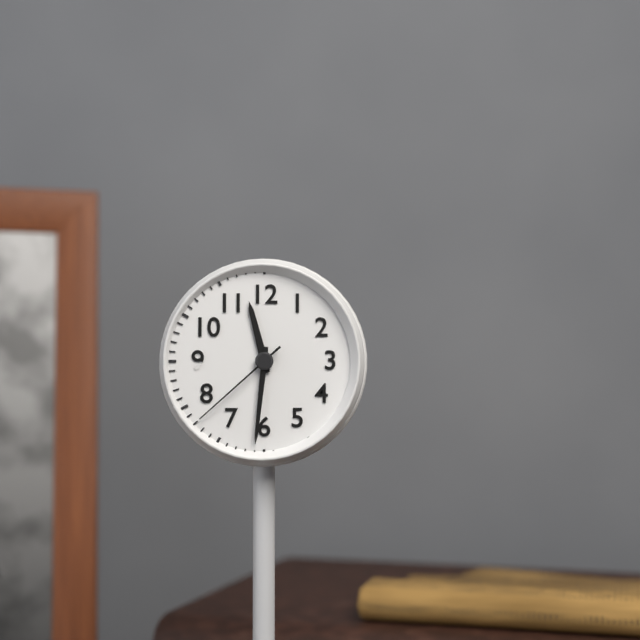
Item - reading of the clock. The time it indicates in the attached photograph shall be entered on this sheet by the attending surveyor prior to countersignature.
11:31:38
